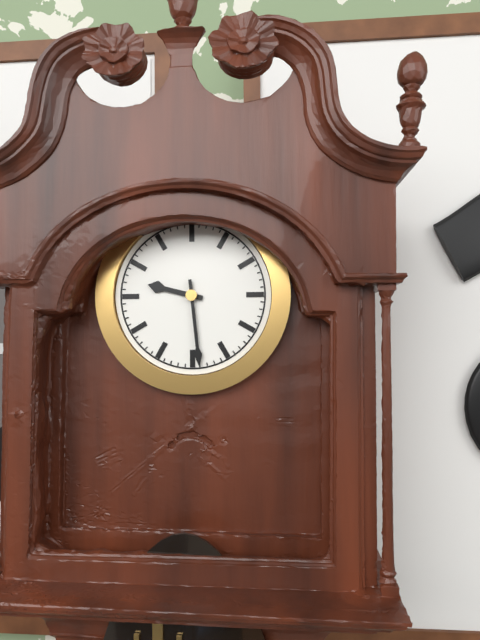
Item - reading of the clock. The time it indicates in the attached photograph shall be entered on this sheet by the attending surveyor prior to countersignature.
9:29
